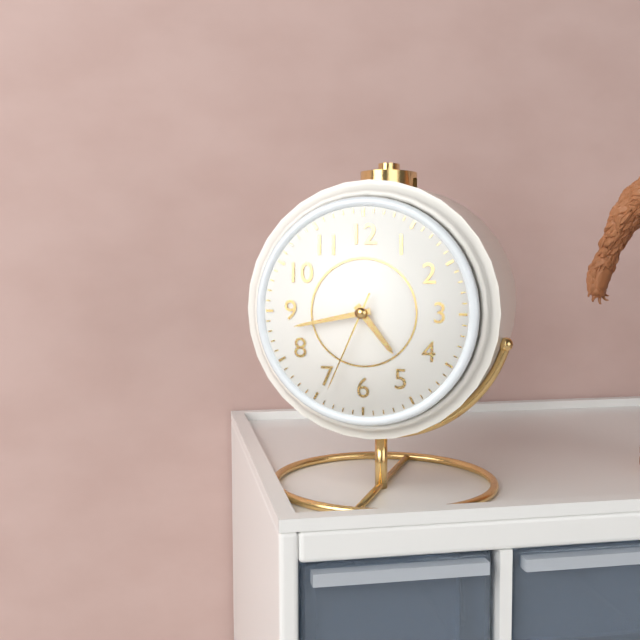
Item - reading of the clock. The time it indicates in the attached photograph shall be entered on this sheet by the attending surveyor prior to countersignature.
4:43:34
